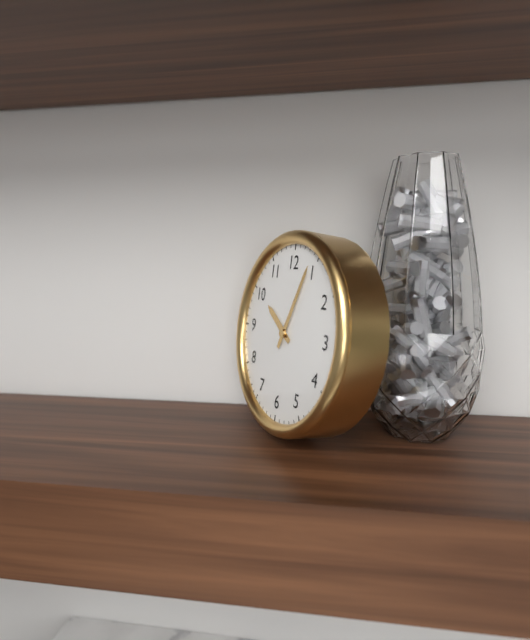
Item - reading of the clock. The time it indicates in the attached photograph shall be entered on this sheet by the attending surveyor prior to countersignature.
10:04
